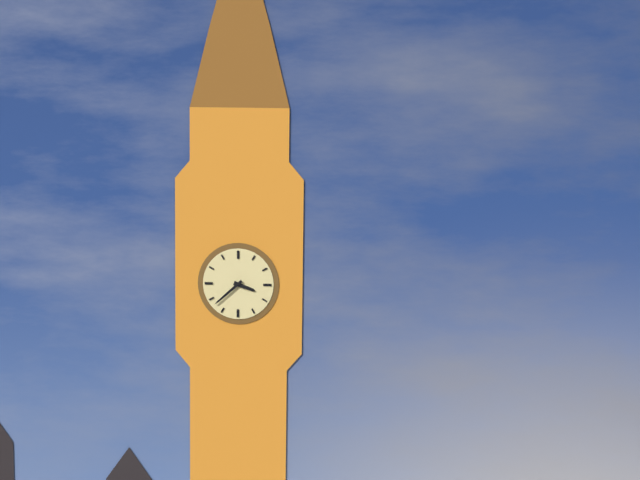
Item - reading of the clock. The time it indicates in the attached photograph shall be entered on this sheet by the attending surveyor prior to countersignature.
3:38
